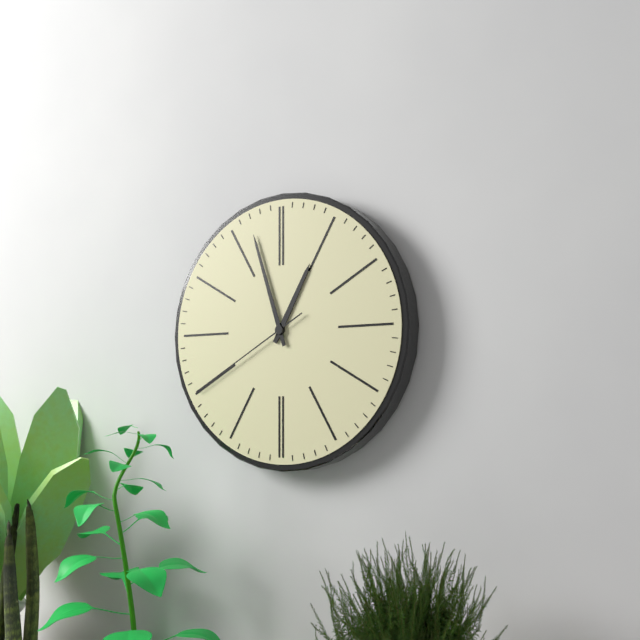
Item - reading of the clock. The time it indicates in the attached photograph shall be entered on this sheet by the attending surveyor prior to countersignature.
12:57:40
